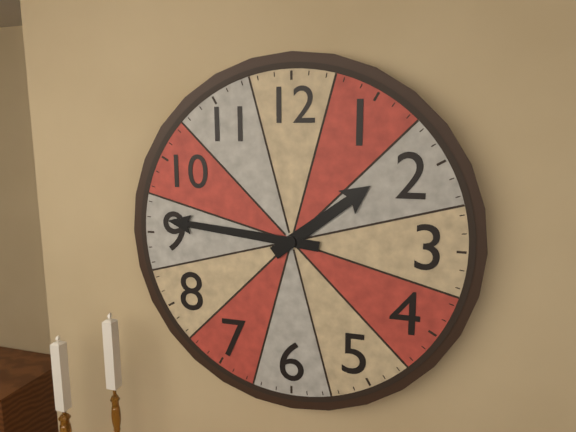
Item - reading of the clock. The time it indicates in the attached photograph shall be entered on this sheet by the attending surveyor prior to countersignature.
1:46
